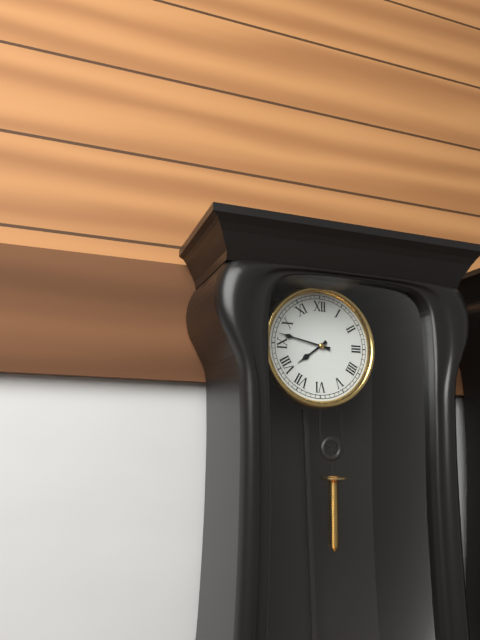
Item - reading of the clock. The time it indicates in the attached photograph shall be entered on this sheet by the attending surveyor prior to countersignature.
7:47
